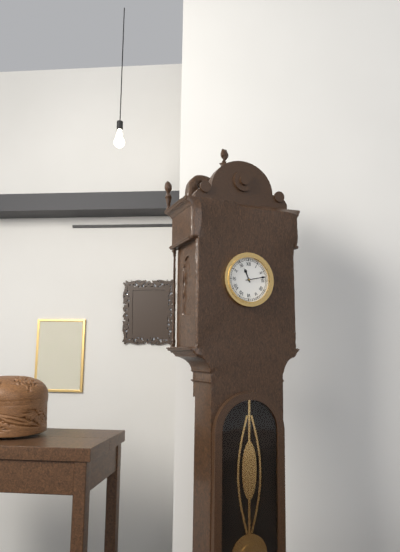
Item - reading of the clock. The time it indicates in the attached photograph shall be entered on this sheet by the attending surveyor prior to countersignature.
11:13
